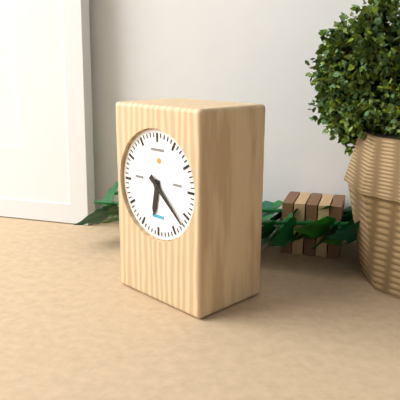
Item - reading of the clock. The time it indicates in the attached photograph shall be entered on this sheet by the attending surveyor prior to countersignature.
6:22
